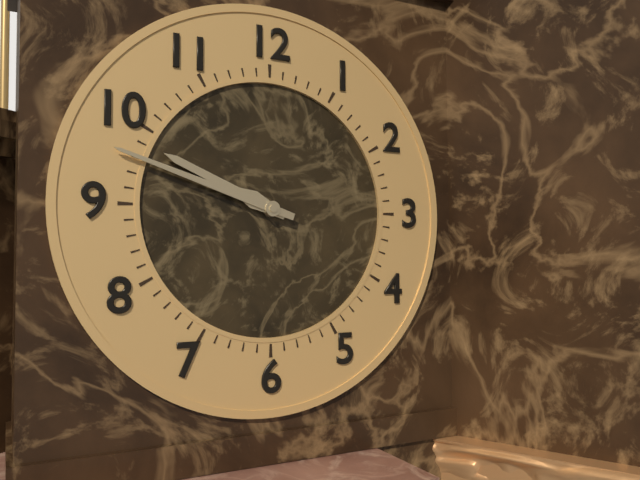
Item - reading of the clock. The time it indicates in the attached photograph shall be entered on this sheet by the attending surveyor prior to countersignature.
9:48
